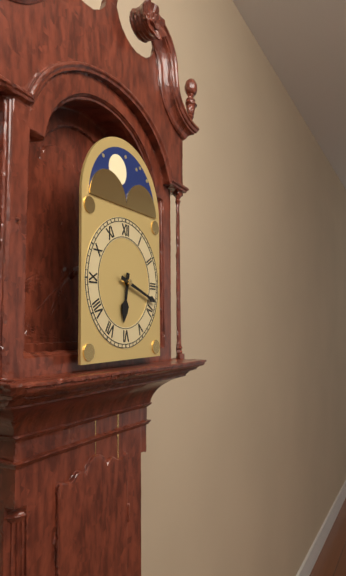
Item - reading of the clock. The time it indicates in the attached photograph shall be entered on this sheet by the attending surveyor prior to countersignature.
6:18
